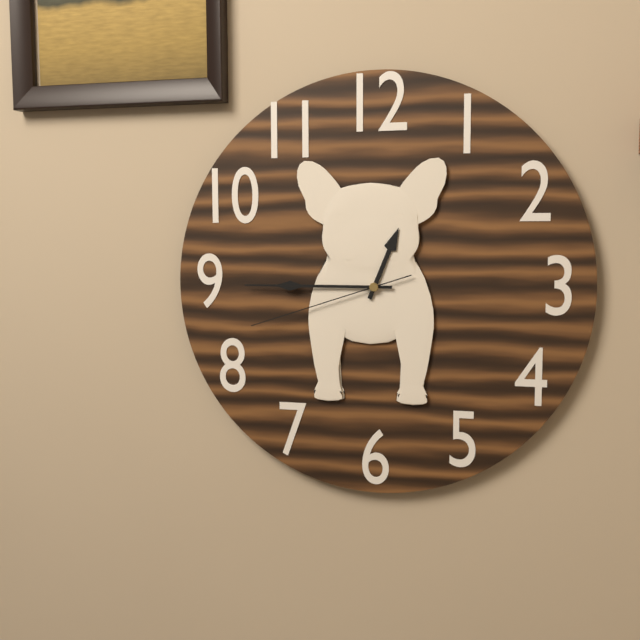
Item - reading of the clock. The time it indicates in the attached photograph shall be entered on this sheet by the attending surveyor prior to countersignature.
12:45:42
